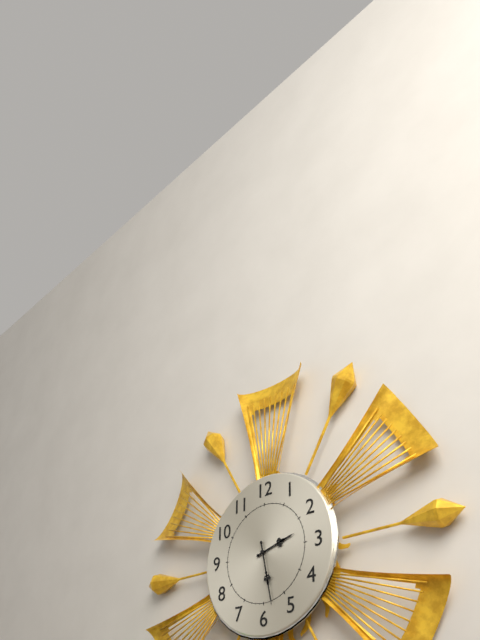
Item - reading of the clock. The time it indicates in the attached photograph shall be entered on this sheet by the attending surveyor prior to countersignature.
2:28
